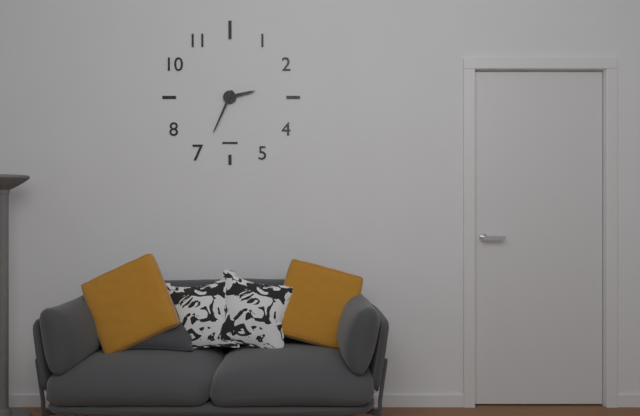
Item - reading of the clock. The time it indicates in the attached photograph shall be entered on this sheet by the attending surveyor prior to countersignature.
2:34
